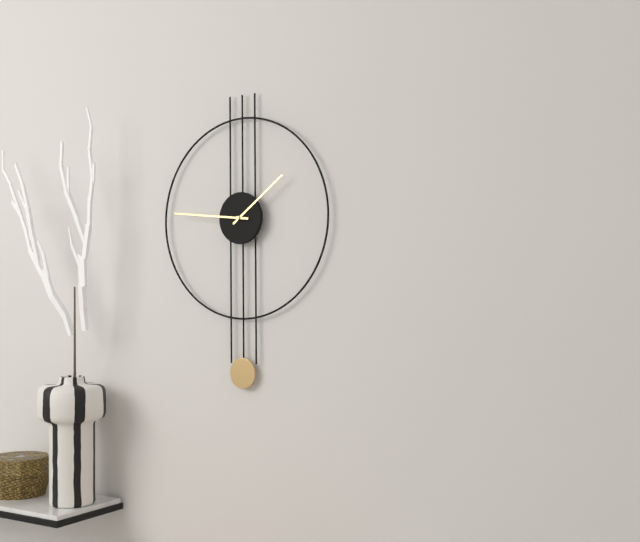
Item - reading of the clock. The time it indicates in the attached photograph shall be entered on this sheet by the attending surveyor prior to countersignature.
1:46
